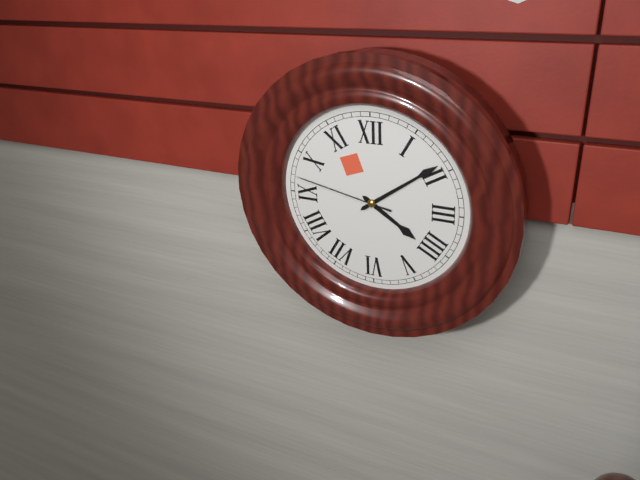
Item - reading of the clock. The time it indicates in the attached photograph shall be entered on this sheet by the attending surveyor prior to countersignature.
4:09:47
